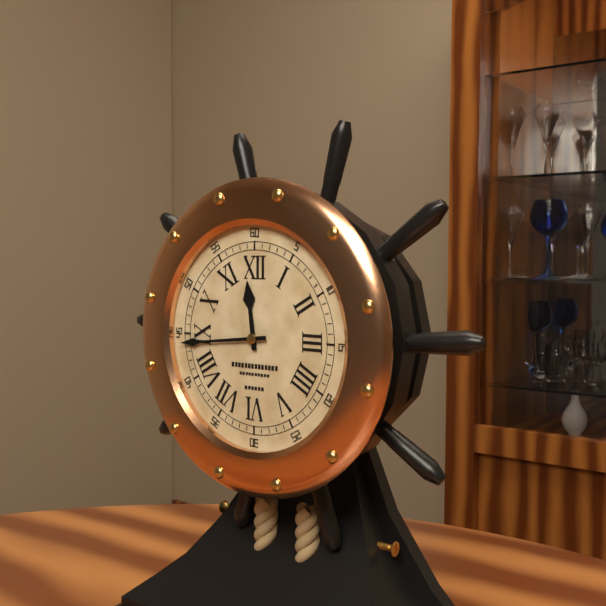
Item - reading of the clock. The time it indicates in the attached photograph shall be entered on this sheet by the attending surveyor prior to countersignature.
11:44
